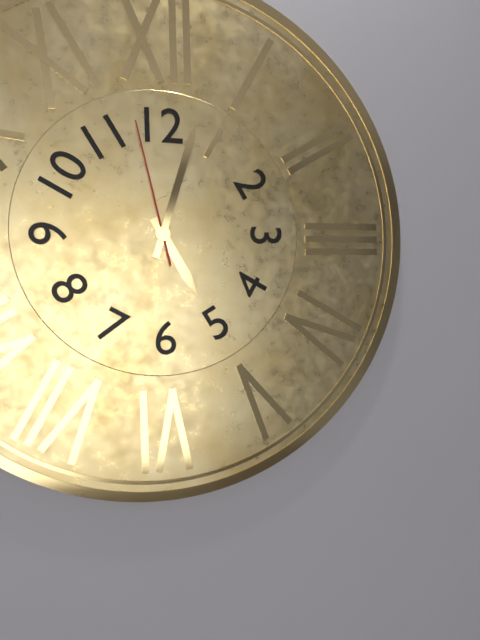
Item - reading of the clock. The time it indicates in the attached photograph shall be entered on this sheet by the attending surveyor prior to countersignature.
5:03:58
